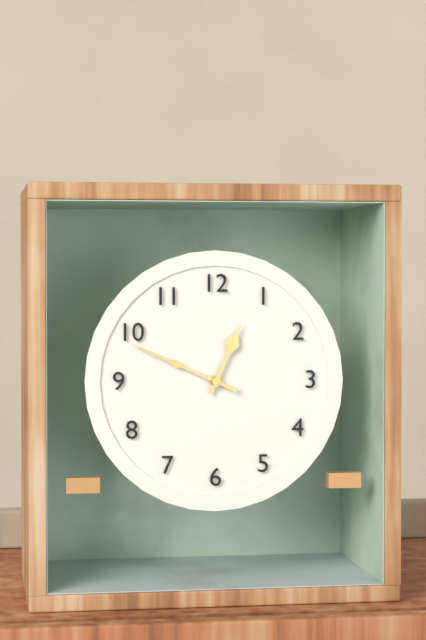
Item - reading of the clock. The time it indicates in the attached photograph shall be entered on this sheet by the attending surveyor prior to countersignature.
12:49
